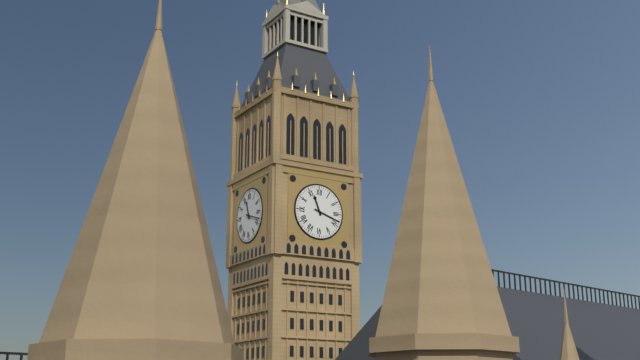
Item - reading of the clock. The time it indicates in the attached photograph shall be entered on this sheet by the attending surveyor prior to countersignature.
11:18
